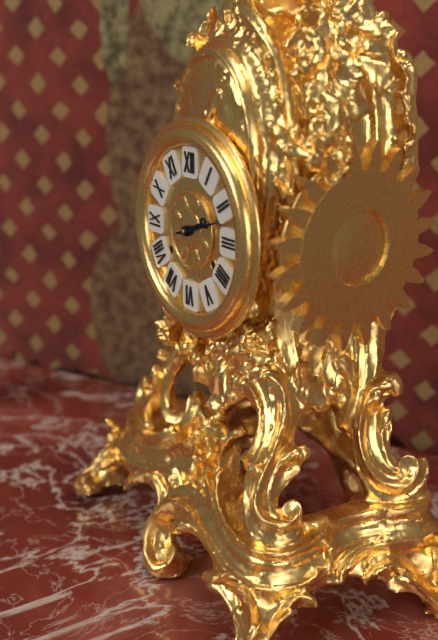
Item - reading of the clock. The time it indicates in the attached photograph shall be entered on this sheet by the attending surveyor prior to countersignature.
2:12
